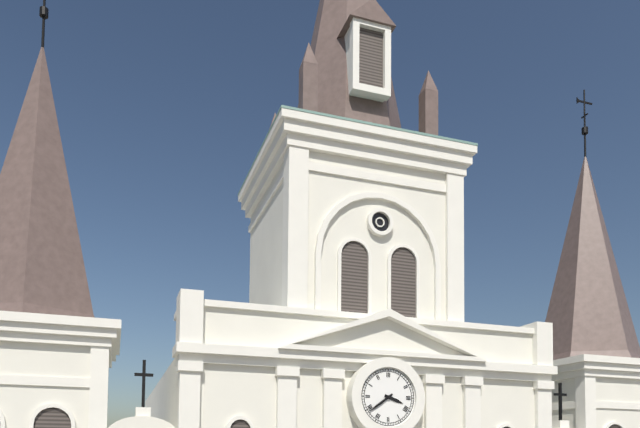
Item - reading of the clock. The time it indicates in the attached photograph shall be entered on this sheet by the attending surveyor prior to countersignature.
3:39
